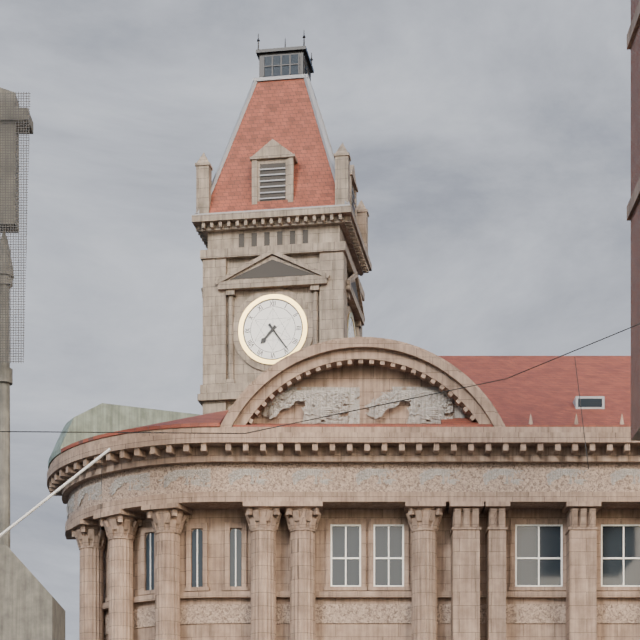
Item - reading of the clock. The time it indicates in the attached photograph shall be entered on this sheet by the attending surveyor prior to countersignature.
7:24
